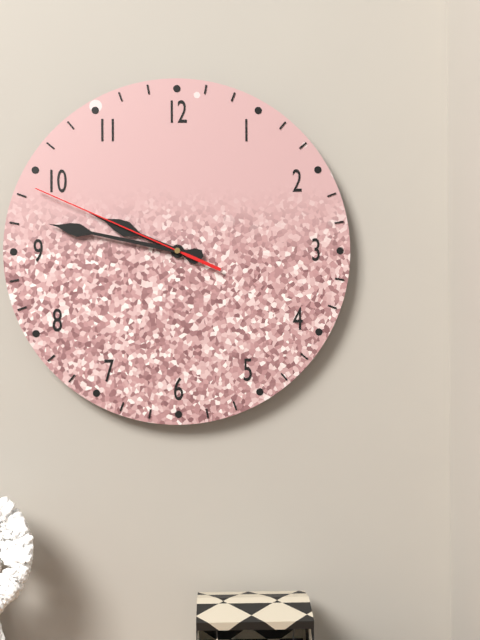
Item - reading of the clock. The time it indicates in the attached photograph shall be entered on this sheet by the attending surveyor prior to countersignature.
9:47:49
